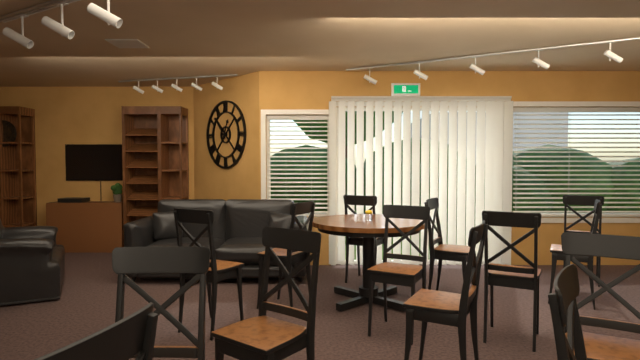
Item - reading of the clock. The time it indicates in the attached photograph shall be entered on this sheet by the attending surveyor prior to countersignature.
12:53
